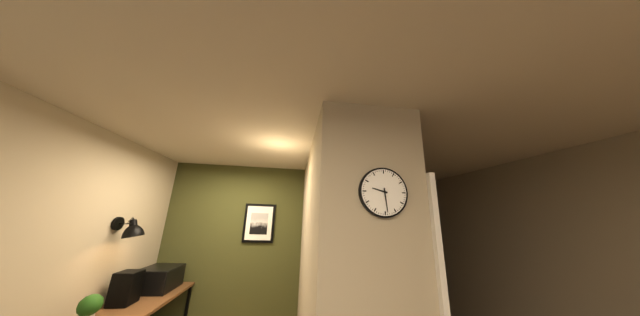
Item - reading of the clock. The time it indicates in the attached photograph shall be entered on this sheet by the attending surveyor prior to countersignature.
9:29
